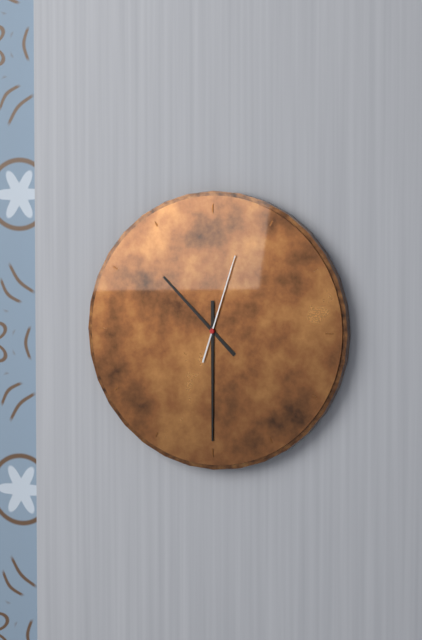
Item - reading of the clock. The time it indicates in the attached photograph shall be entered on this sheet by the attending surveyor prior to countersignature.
10:30:03
